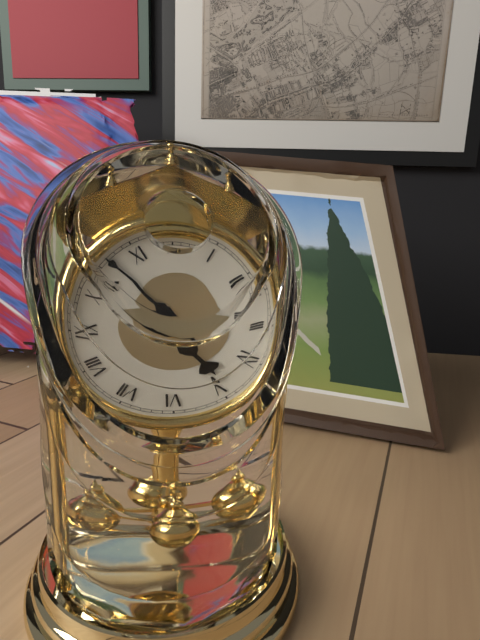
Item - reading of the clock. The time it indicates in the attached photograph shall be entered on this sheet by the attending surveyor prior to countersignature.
4:52
